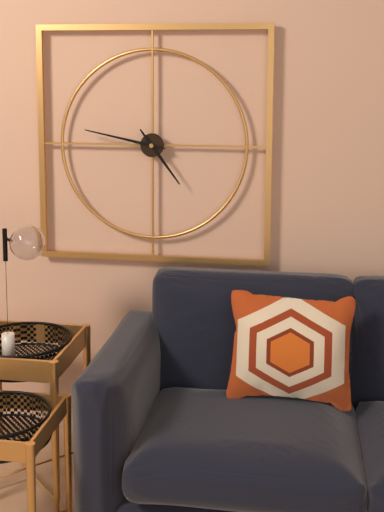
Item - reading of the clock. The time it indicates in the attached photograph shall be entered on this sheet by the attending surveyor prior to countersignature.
4:47
